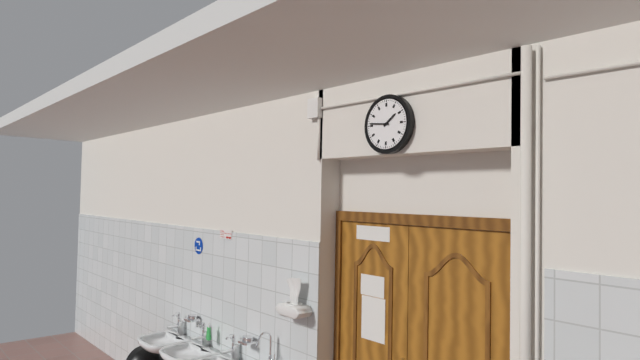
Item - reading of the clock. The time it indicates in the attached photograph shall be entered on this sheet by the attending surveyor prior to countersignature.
1:46
